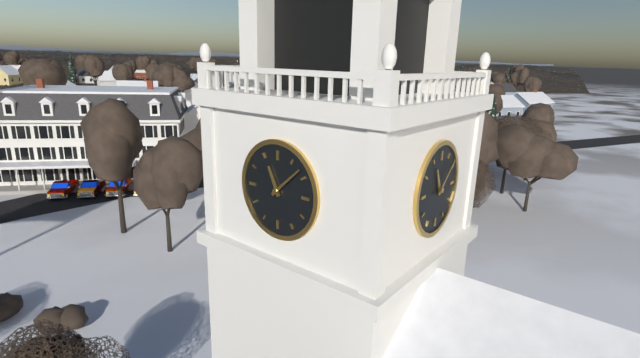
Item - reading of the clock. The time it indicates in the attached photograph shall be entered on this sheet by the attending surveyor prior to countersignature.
11:08
